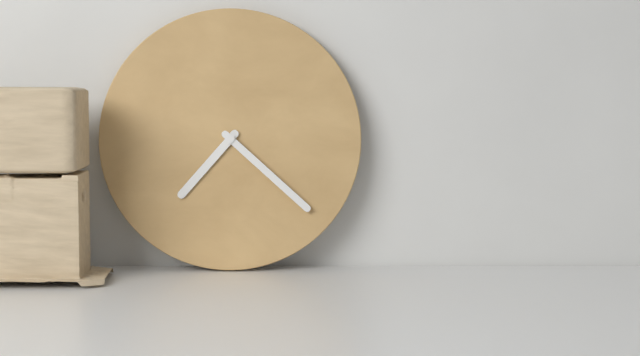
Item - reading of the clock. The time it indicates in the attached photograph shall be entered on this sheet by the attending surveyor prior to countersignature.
7:22
